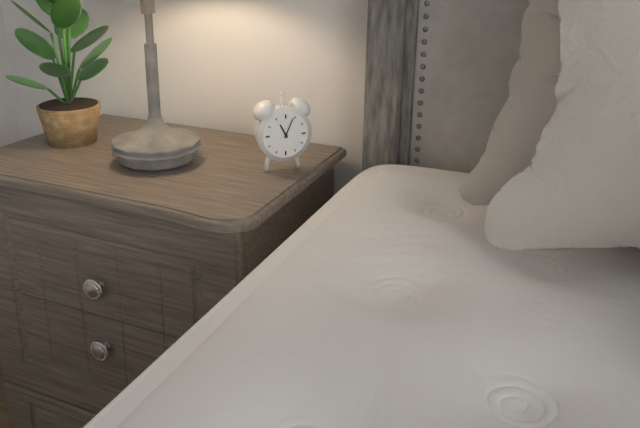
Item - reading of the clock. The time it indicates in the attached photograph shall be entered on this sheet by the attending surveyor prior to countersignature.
11:04
